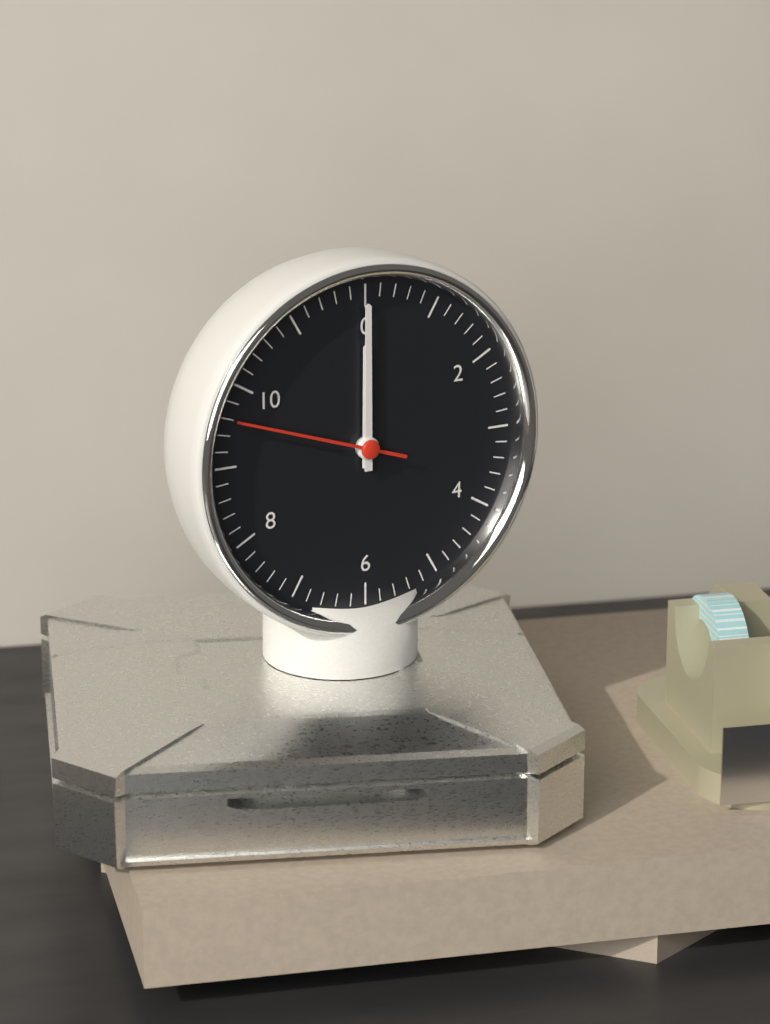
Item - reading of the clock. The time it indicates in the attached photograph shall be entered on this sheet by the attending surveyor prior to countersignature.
12:00:48
